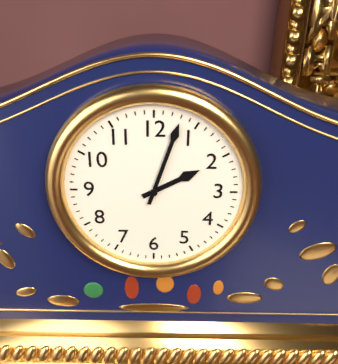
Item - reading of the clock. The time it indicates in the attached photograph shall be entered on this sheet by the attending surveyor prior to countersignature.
2:03
